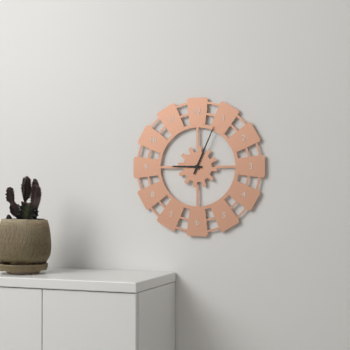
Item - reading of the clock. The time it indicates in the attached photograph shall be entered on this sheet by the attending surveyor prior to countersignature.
9:04
